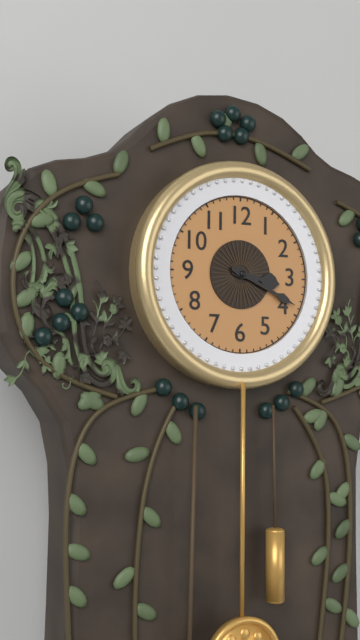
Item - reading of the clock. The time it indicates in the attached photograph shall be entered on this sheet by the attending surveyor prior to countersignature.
3:19
